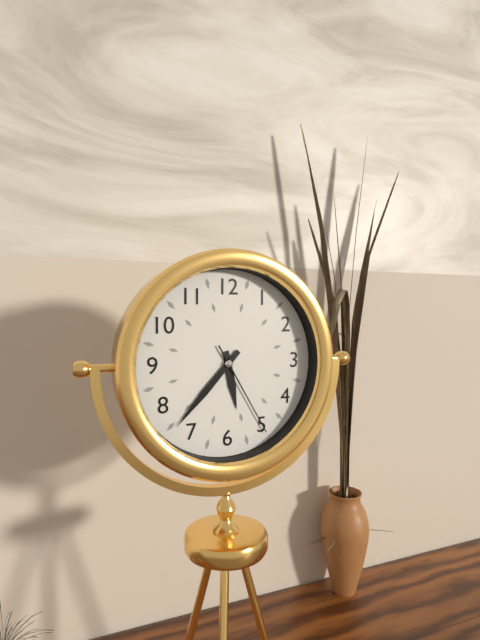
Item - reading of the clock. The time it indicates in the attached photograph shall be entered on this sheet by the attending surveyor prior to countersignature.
5:37:25
